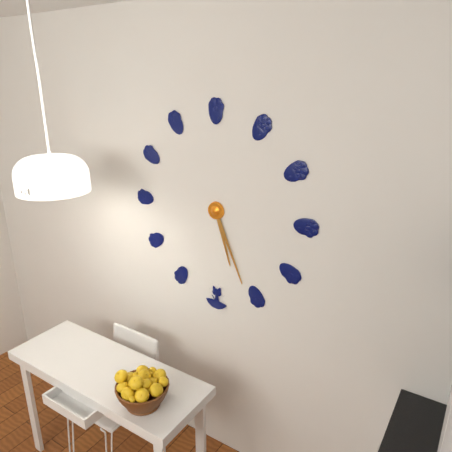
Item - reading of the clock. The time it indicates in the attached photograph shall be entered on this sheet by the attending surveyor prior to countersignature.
5:26
